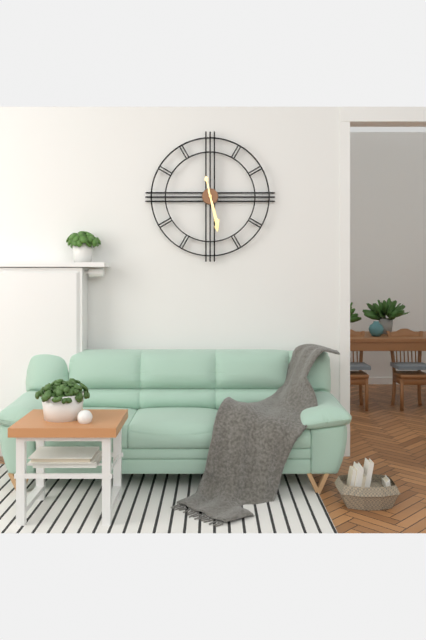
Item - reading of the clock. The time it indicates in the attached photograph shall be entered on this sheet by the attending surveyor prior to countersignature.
5:28
